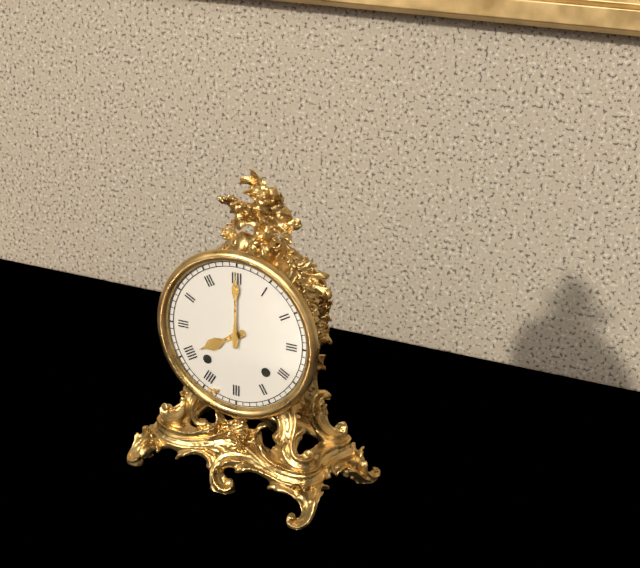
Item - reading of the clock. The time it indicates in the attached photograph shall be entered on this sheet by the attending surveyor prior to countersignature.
8:00
